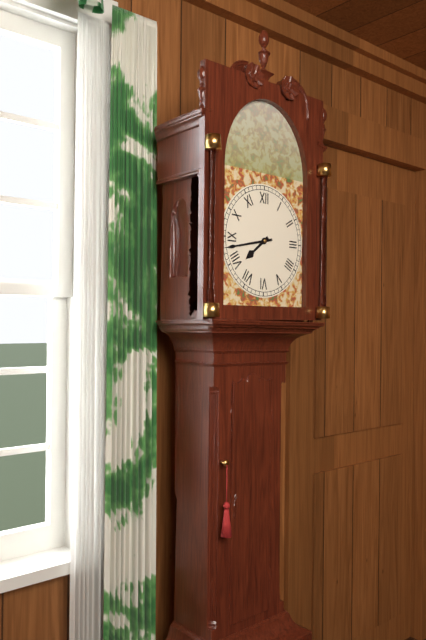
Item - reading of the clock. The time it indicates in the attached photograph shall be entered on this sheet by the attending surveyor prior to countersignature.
7:43
